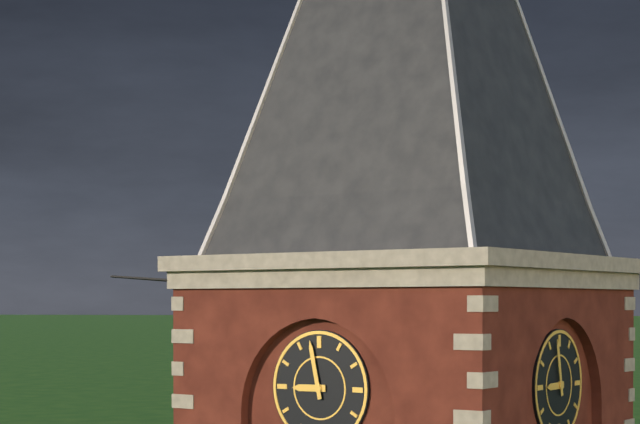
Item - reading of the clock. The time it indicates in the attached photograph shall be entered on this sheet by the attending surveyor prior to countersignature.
8:58
